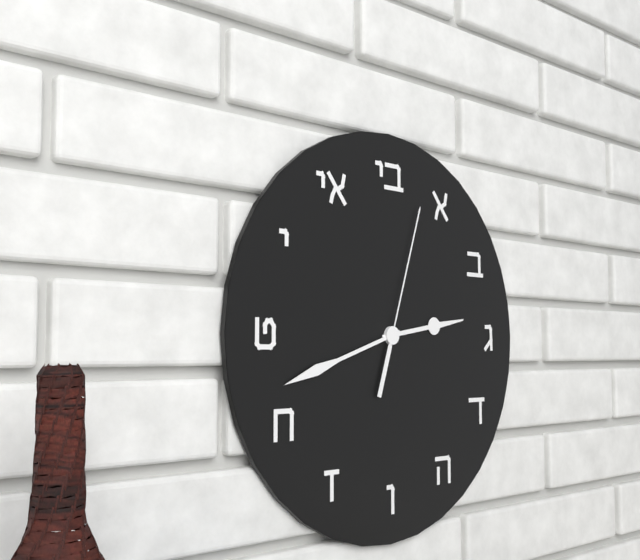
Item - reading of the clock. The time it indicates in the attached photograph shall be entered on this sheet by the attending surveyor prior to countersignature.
2:42:03
